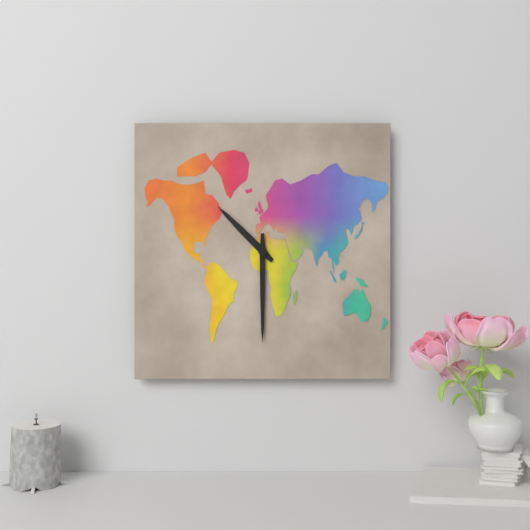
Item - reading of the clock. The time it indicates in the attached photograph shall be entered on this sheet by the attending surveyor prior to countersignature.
10:30
